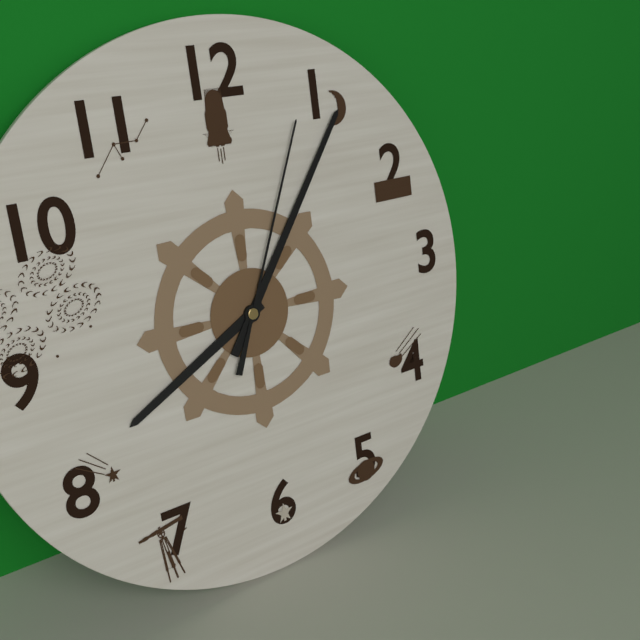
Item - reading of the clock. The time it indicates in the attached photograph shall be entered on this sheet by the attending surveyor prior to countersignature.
8:06:04
